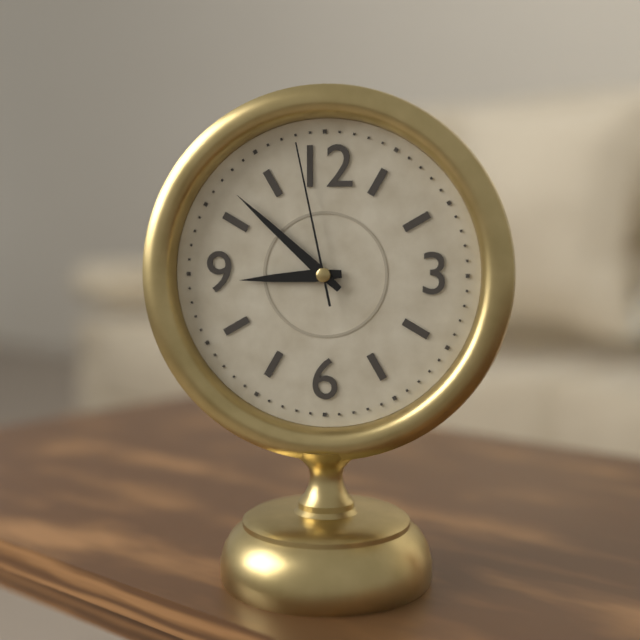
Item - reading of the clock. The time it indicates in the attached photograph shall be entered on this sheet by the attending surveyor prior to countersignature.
8:52:58
